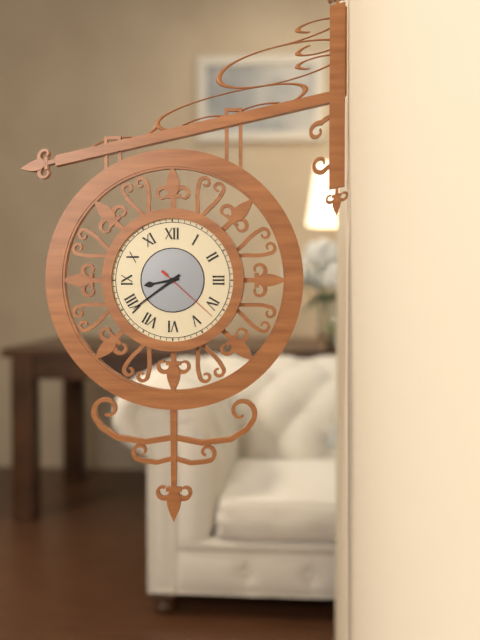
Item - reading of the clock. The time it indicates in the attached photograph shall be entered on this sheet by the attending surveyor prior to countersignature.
8:39:22
